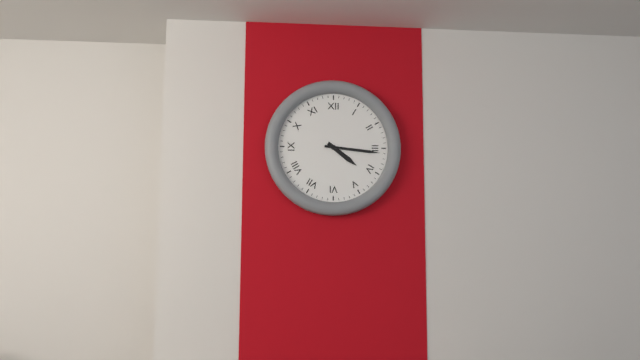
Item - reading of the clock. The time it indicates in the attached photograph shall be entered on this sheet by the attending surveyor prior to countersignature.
4:16
